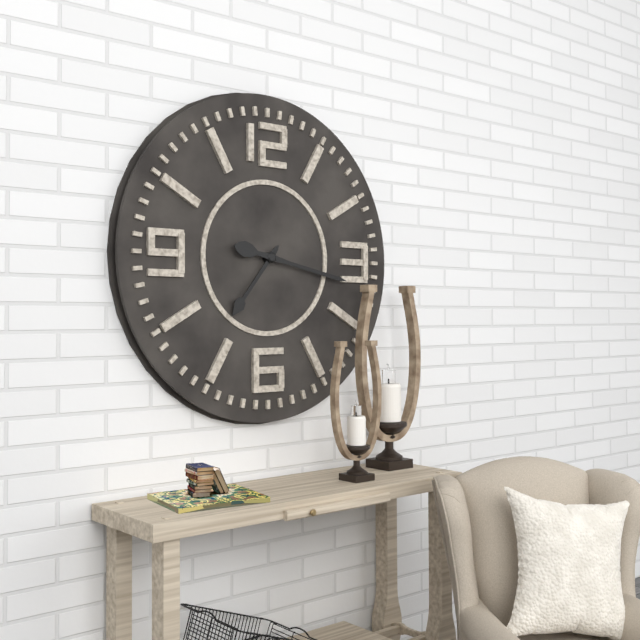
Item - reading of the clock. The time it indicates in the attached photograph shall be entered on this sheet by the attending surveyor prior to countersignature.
7:17
